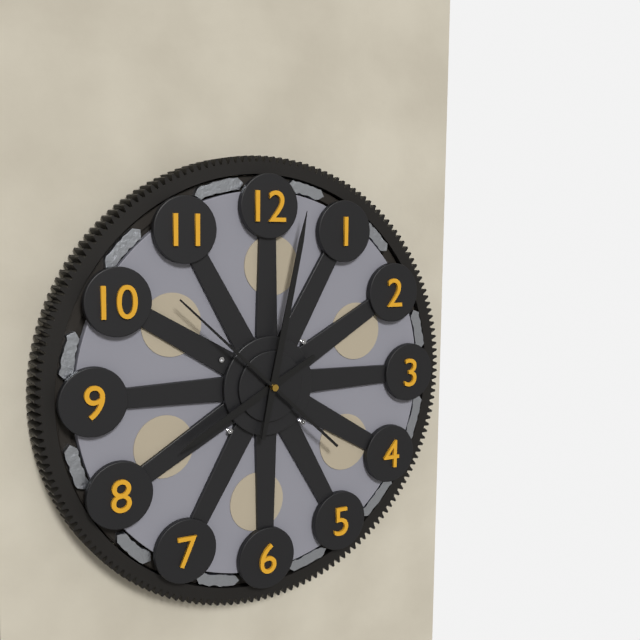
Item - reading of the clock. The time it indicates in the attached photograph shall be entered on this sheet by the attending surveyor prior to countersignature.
8:02:52
